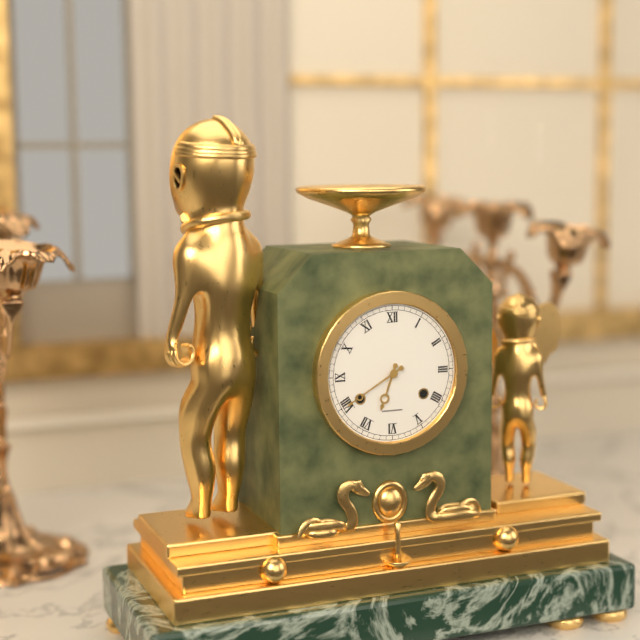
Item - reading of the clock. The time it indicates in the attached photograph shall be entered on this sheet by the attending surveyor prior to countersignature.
6:40
